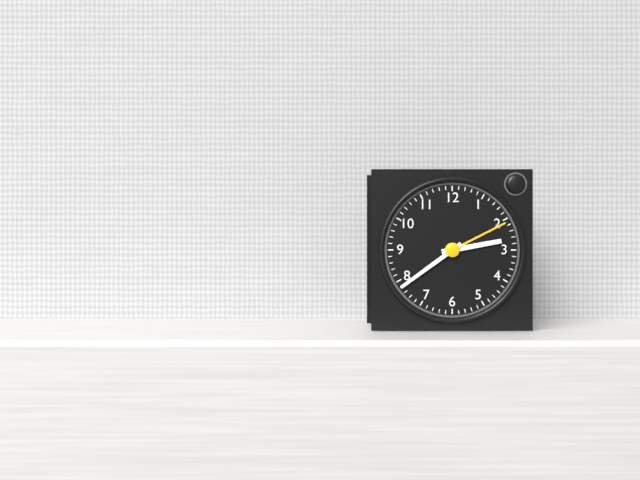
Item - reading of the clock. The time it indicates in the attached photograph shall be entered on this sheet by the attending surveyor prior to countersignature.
2:39
